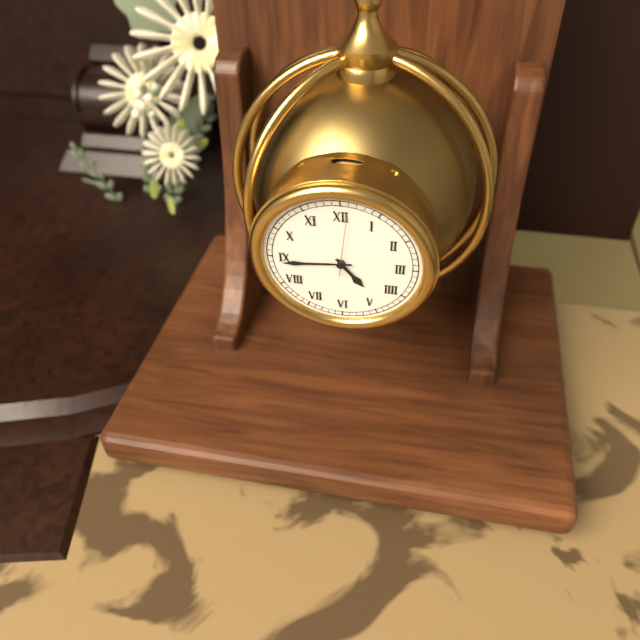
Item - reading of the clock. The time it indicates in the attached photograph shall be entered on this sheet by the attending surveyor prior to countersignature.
4:44:01
